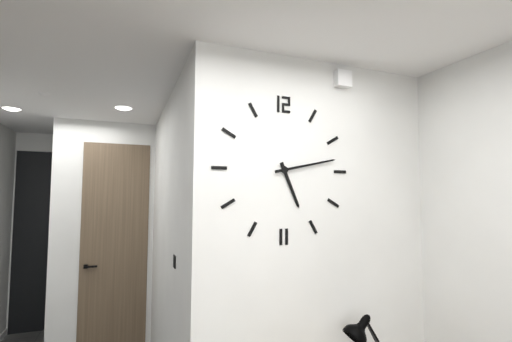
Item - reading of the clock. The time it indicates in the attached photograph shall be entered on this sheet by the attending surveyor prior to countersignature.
5:13
